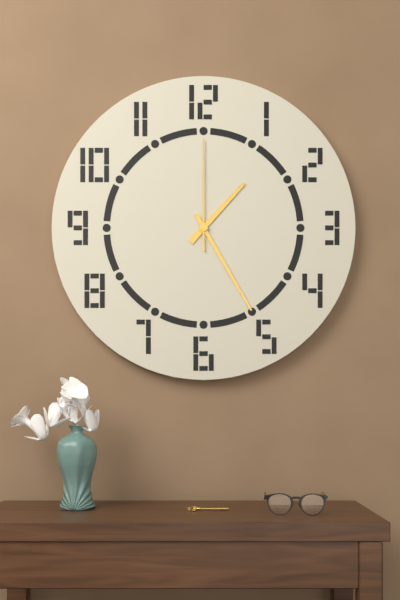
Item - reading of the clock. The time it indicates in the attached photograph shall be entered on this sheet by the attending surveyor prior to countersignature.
1:25:00
